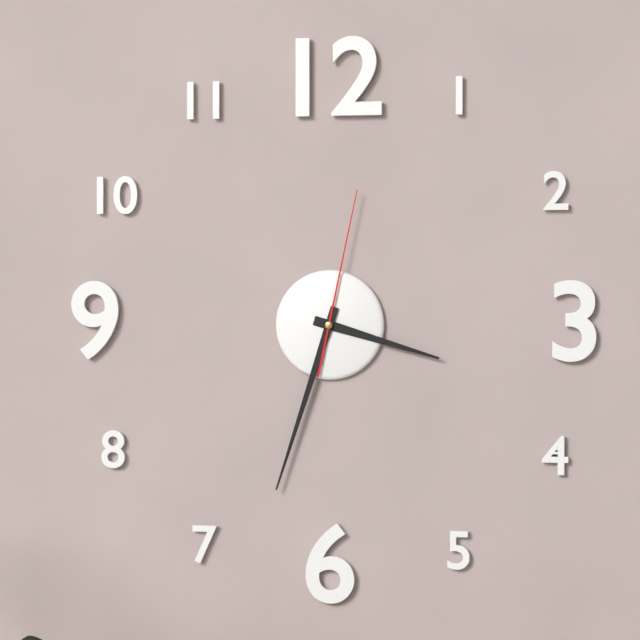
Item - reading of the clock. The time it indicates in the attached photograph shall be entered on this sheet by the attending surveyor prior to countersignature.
3:33:02
